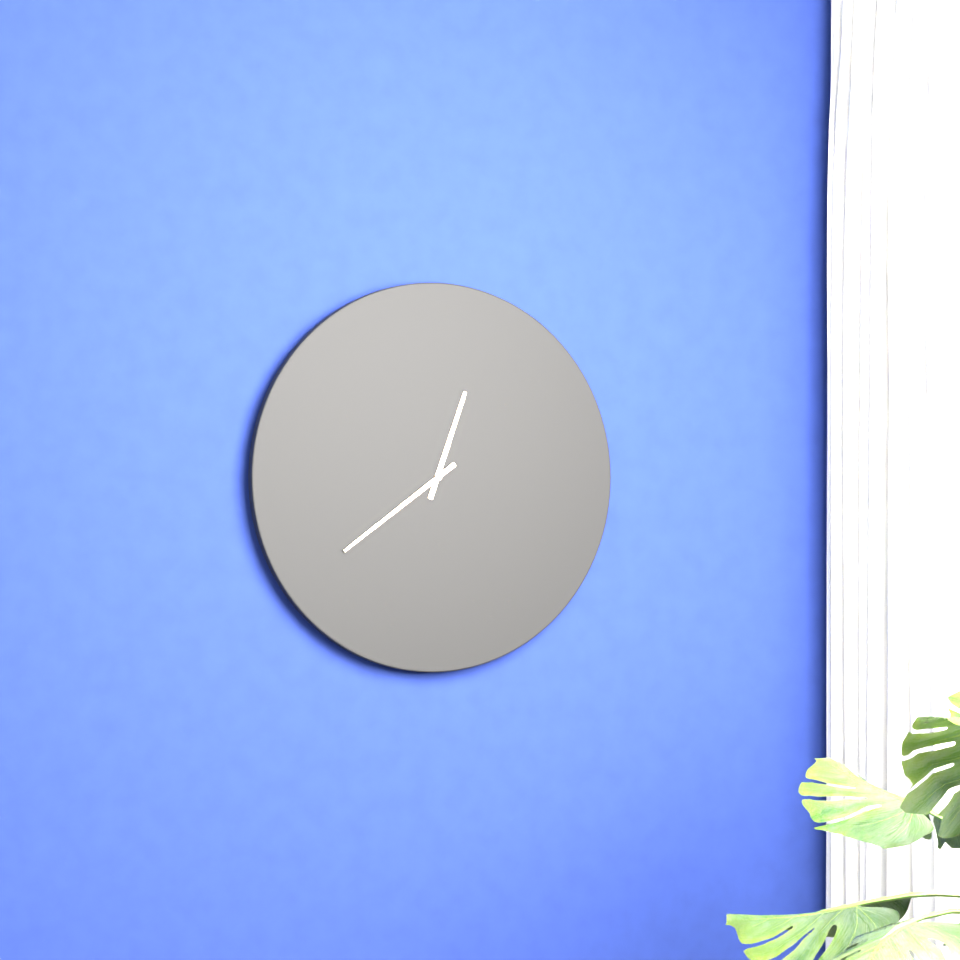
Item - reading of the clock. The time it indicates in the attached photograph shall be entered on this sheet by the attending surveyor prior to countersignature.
12:39
